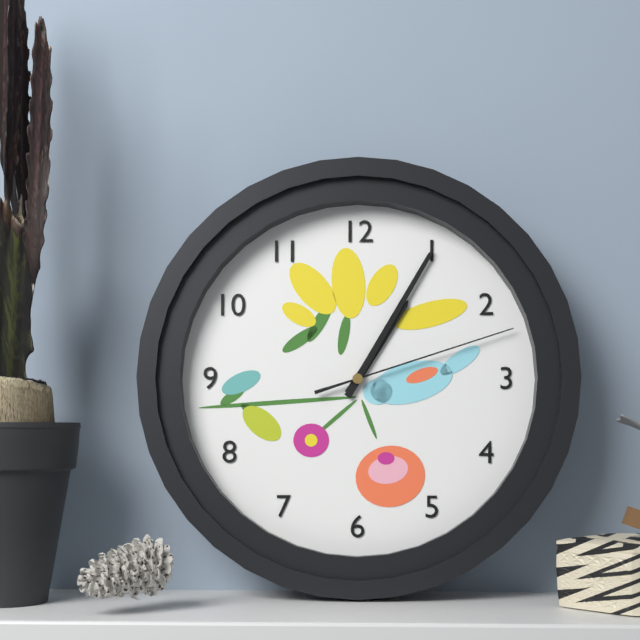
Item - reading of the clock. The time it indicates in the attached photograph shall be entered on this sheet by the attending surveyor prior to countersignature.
1:05:12
